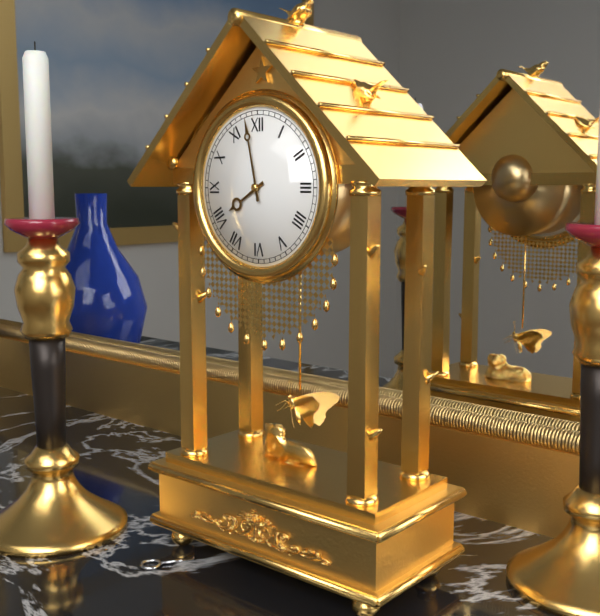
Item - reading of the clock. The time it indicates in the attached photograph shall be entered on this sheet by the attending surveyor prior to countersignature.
7:58
